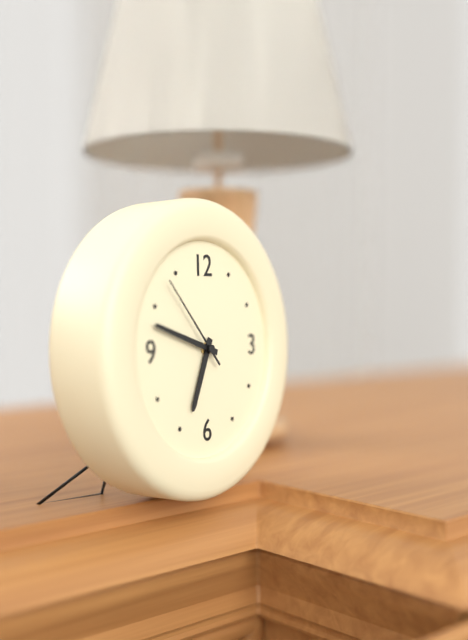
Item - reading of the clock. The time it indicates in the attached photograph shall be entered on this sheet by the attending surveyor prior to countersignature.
6:48:53
